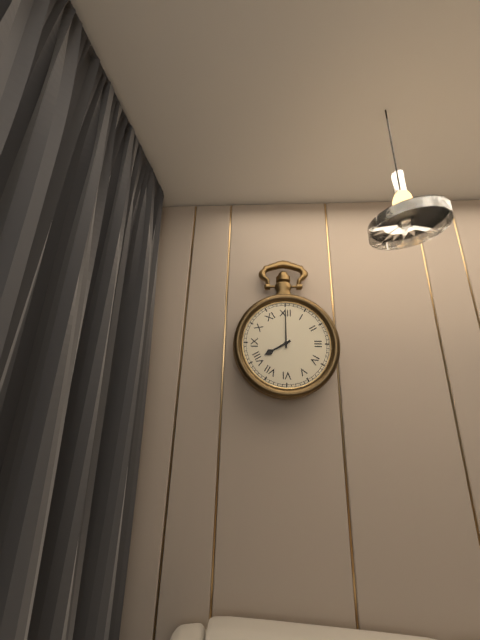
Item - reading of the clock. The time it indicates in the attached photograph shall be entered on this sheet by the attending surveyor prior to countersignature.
8:00
